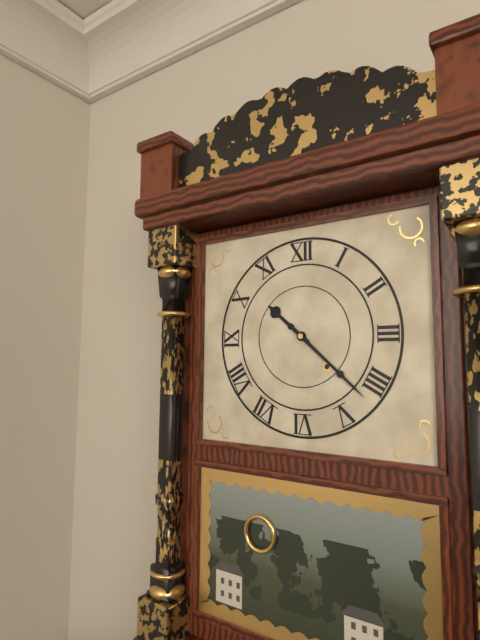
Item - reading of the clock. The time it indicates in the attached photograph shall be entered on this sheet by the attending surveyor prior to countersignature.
10:22
